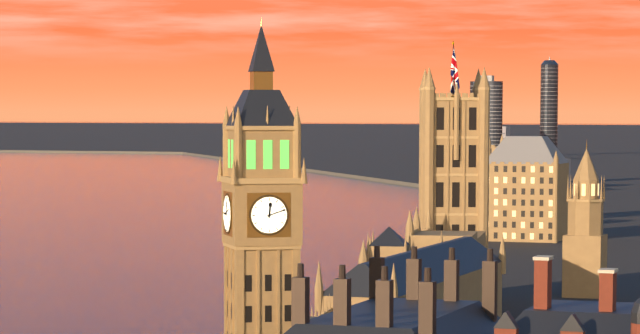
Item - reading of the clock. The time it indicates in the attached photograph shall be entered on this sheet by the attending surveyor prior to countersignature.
12:12
